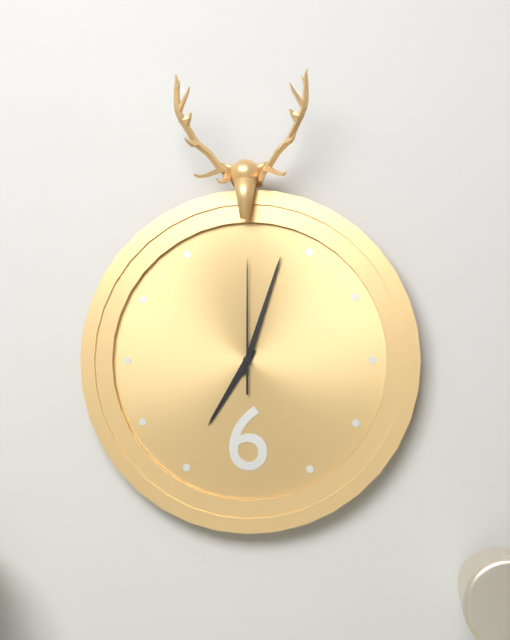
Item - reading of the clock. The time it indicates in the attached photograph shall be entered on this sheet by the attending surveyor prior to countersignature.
7:03:00
